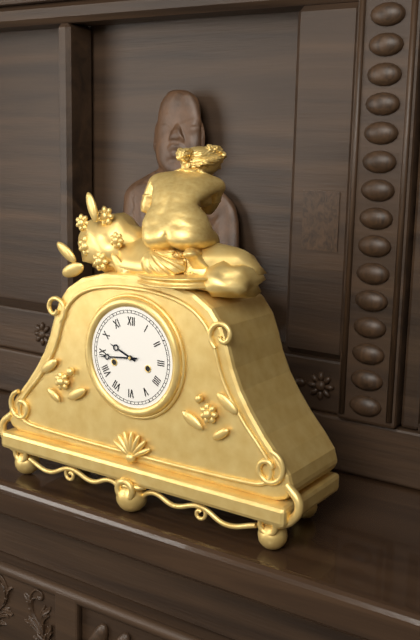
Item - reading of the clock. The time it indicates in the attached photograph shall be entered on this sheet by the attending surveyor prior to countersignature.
9:44
